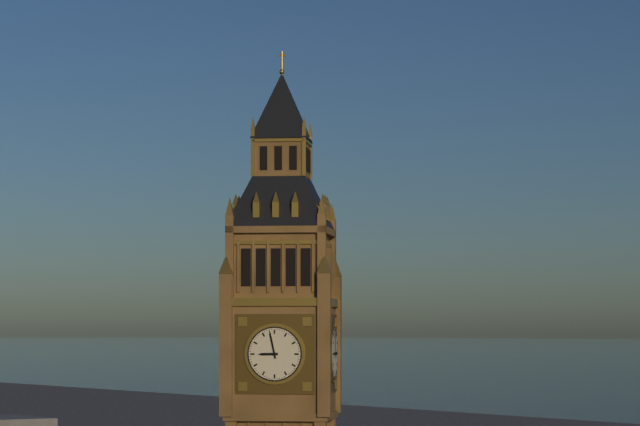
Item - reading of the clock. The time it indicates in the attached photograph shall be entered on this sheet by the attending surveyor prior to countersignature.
8:58
